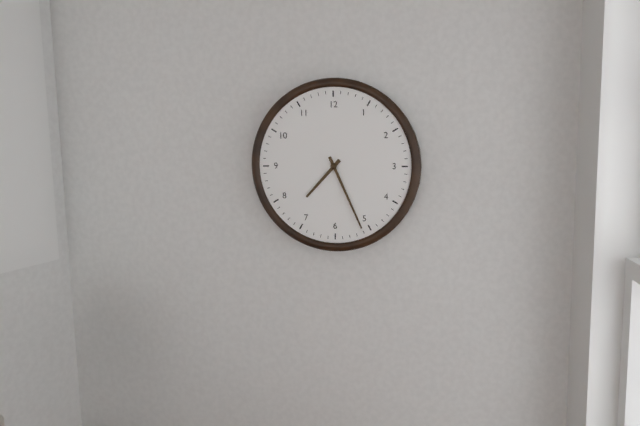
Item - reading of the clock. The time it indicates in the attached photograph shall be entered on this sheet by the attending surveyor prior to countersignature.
7:26
